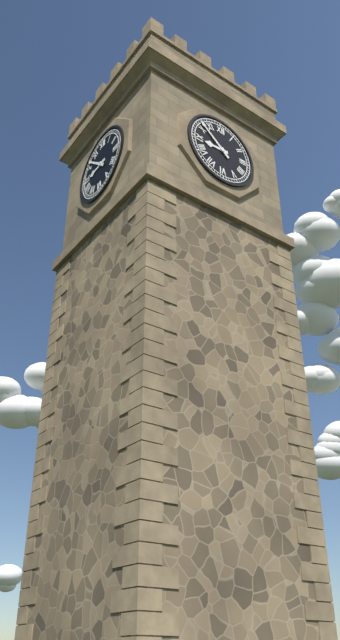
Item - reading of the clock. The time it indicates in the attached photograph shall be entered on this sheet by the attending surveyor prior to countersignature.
8:52
